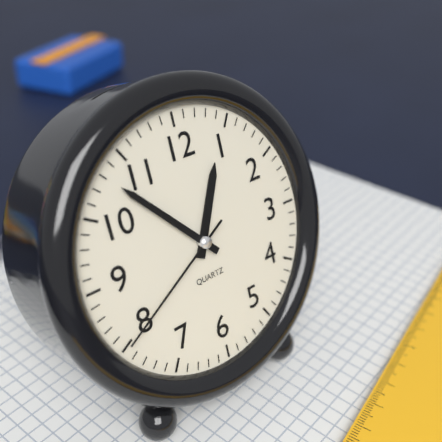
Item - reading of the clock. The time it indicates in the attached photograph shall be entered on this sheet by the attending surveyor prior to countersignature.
12:53:40
